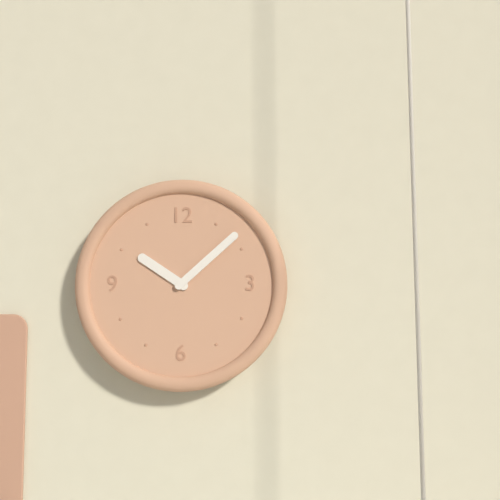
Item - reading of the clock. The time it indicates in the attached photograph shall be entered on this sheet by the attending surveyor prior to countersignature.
10:08
